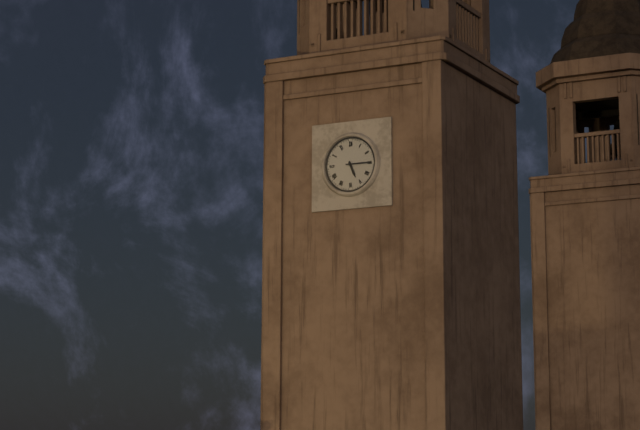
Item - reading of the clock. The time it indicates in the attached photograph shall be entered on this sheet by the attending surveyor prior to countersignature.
5:15
